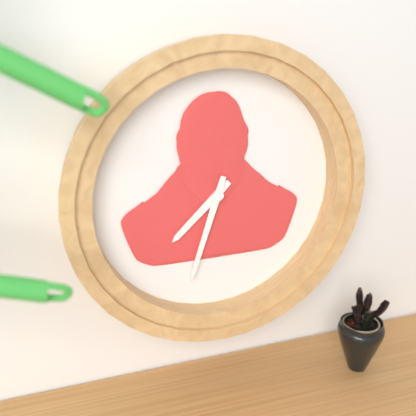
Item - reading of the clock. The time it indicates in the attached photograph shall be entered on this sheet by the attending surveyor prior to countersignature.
7:33
